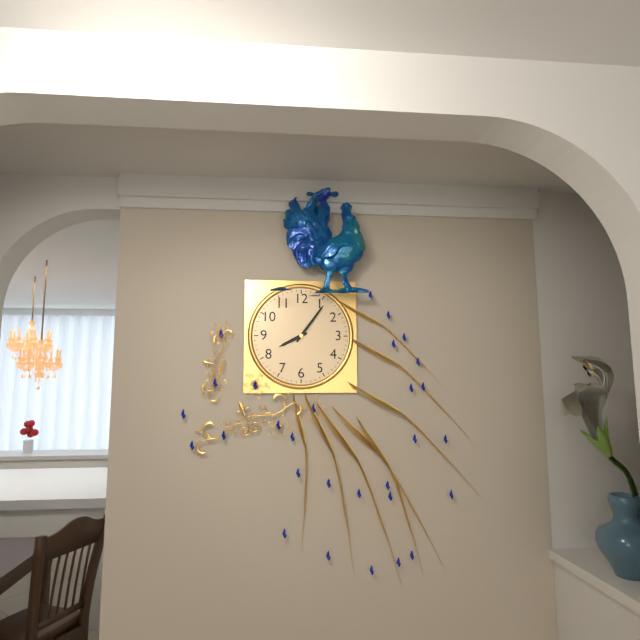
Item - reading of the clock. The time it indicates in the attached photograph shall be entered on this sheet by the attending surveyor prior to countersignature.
8:06
